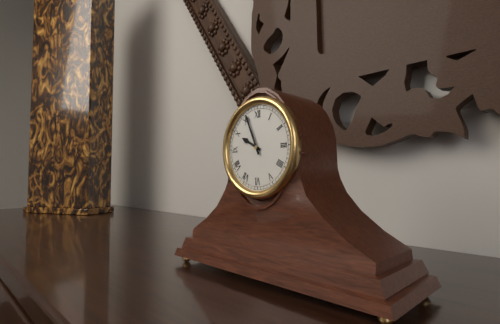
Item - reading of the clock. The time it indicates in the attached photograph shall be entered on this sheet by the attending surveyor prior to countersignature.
9:56
